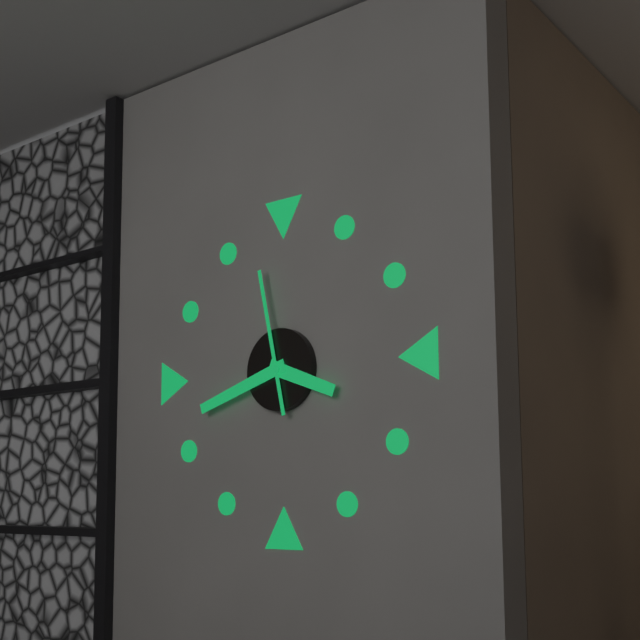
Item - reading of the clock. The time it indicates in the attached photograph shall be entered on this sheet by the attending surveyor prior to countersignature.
3:42:58
